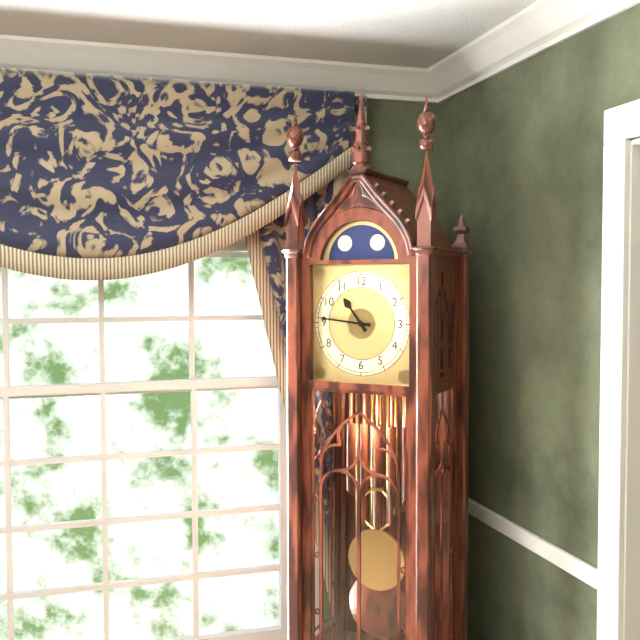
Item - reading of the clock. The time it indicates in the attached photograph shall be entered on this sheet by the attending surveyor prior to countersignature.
10:46
